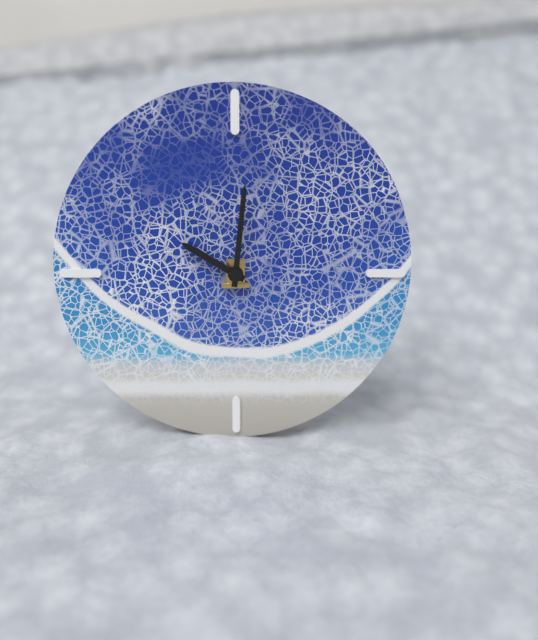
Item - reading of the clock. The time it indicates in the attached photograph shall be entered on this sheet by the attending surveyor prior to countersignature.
10:01
